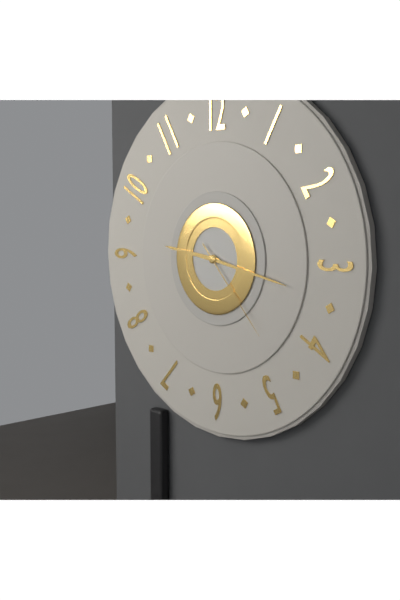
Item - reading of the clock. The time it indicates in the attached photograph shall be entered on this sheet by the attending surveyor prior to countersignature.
9:17:23
